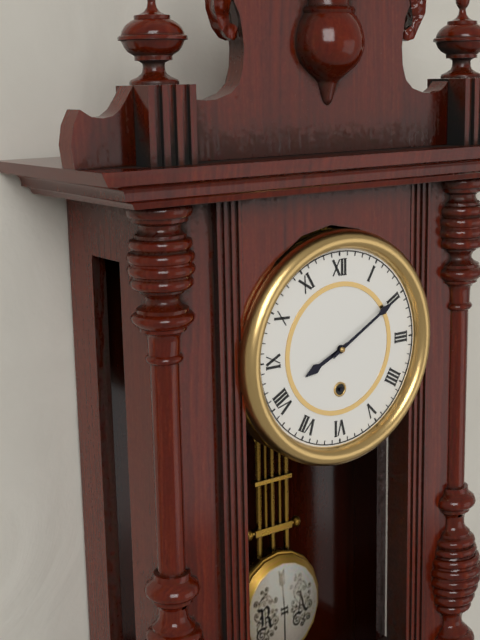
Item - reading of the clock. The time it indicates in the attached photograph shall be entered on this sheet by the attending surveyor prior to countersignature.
8:10
